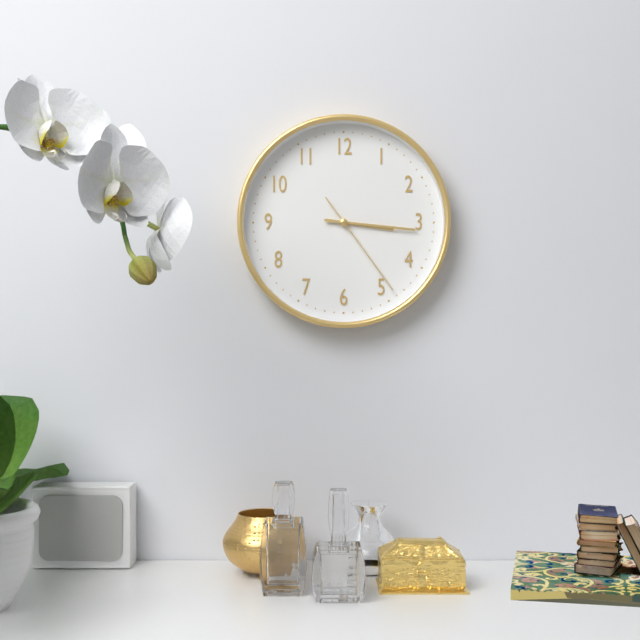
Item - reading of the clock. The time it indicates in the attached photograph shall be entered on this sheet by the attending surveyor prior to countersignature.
3:16:24
